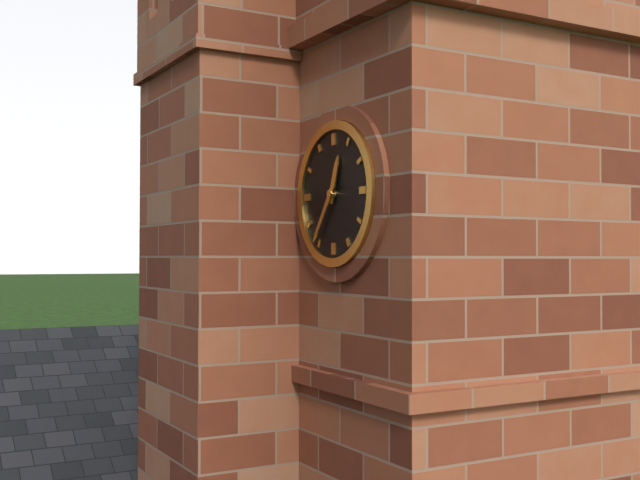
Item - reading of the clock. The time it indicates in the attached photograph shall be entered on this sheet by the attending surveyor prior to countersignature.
12:36
